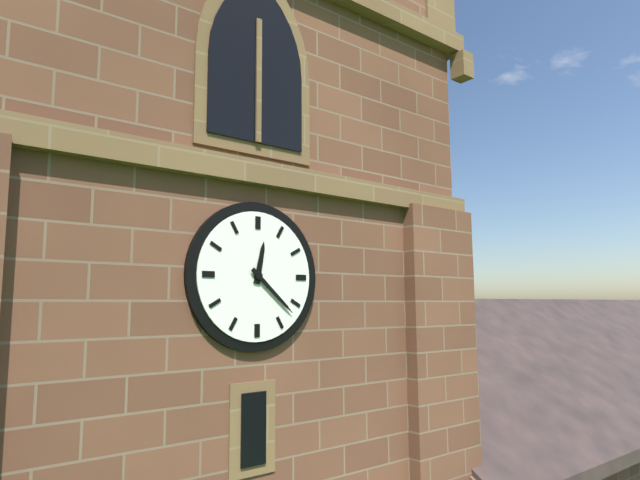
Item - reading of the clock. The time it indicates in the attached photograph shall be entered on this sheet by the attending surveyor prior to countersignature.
12:22
